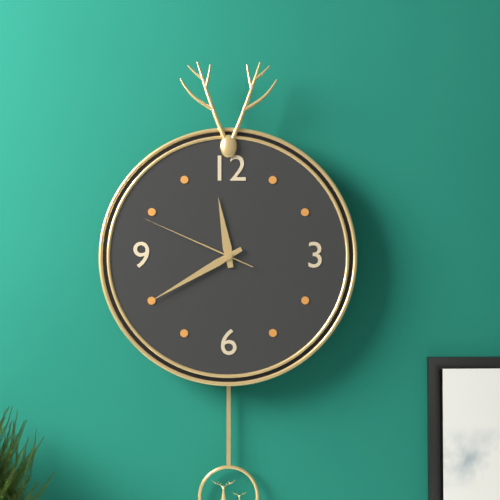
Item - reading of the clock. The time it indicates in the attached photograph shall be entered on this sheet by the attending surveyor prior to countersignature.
11:40:49
